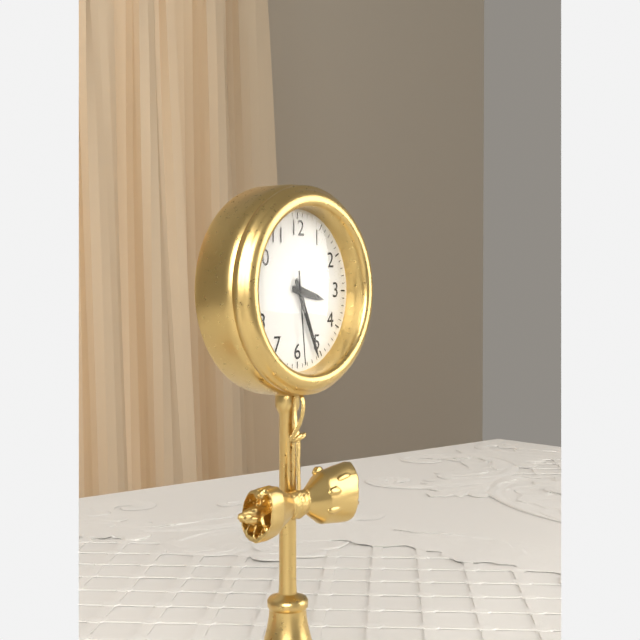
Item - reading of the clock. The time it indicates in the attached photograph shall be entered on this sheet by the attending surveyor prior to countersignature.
3:26:29
